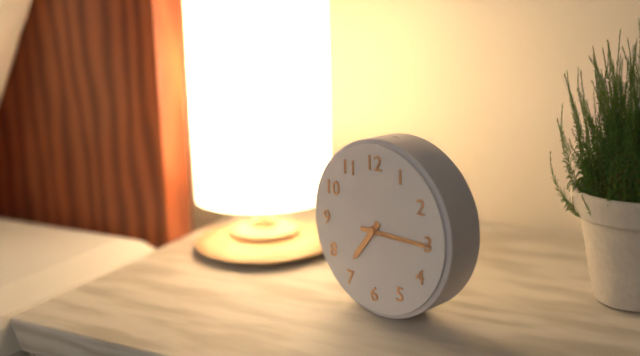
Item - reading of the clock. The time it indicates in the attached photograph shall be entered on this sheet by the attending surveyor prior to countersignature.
7:15
